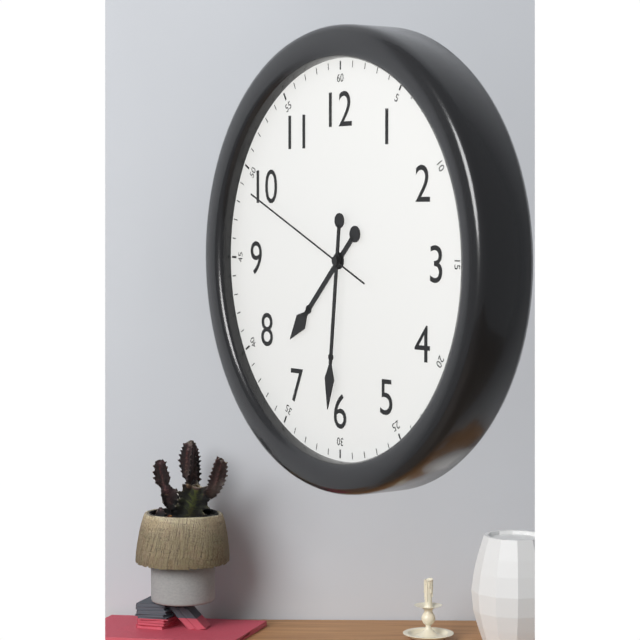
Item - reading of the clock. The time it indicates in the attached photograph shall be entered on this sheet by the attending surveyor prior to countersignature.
7:31:49
